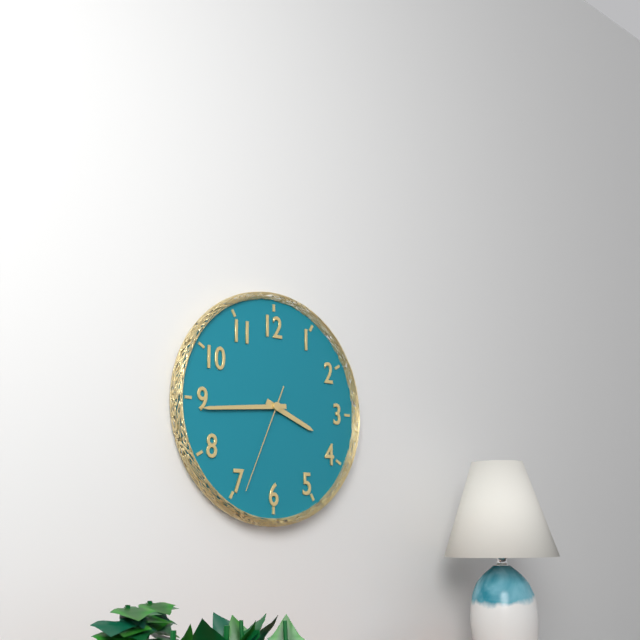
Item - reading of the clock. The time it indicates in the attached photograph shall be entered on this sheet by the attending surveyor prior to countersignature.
3:44:34
